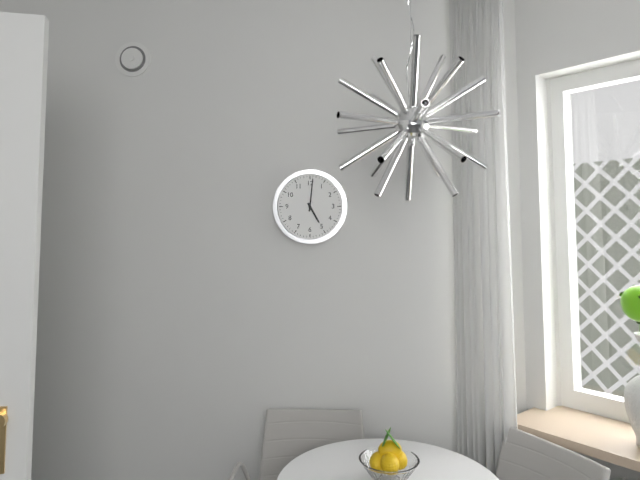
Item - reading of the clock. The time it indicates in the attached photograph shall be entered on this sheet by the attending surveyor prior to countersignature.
5:01
